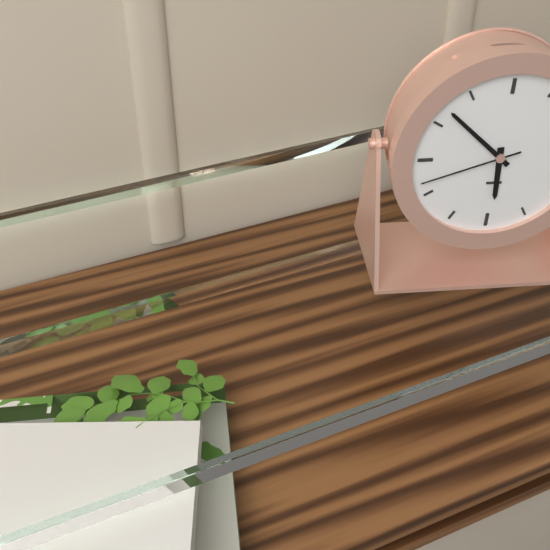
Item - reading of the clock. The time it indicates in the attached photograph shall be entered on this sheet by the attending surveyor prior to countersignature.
5:52:42
